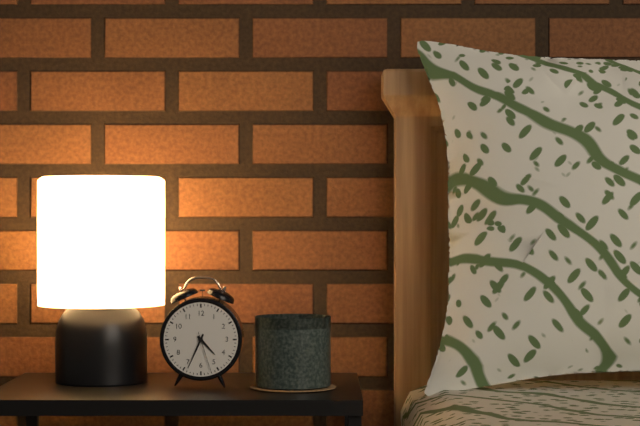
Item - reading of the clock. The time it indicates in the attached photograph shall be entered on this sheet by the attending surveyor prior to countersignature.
4:34
